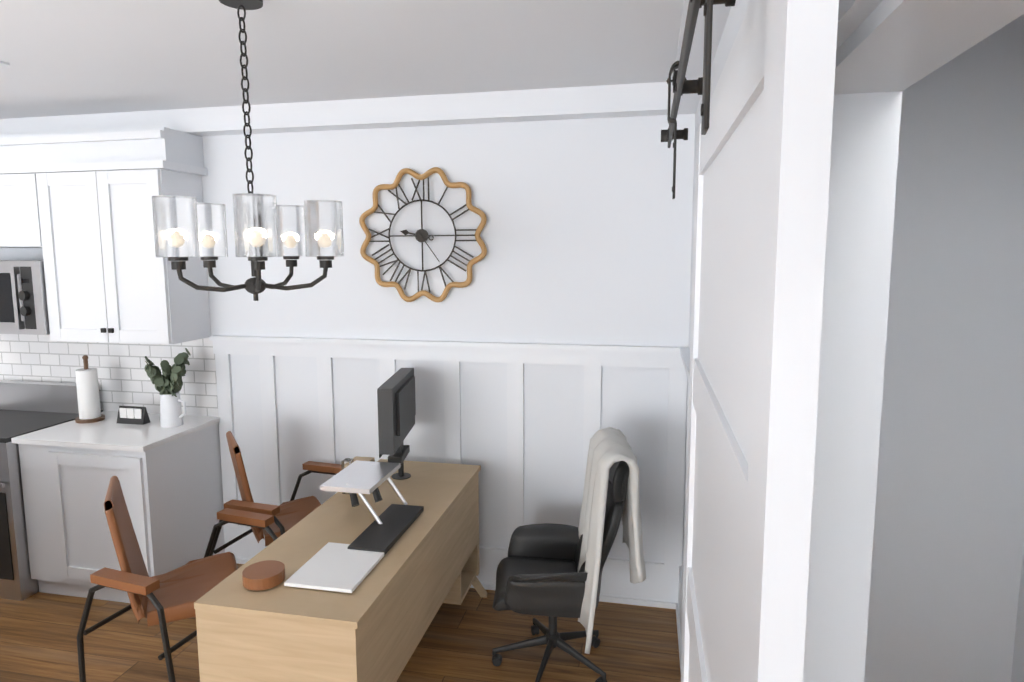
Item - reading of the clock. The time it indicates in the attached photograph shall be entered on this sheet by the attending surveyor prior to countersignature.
9:24
